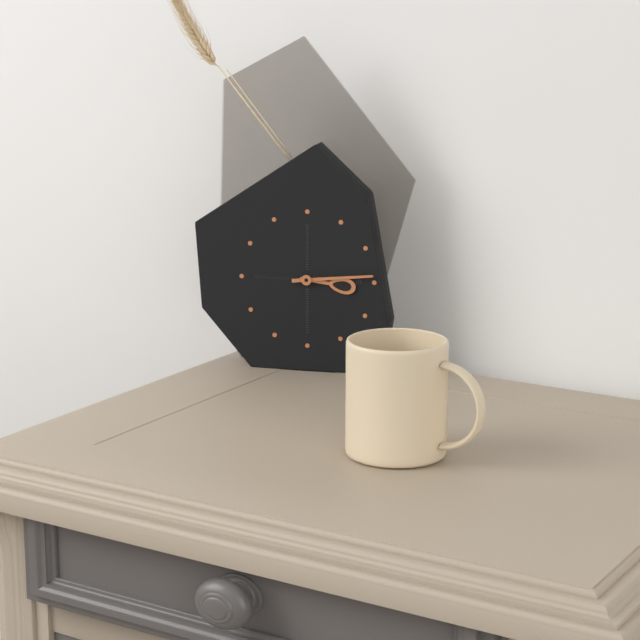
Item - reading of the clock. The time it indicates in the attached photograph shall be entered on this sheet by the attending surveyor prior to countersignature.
3:14
